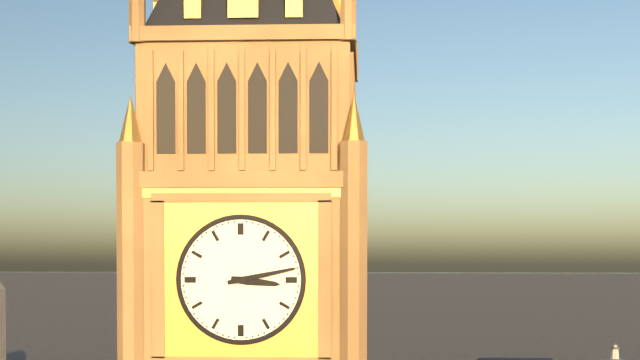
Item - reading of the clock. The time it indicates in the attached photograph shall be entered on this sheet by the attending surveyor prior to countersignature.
3:13
